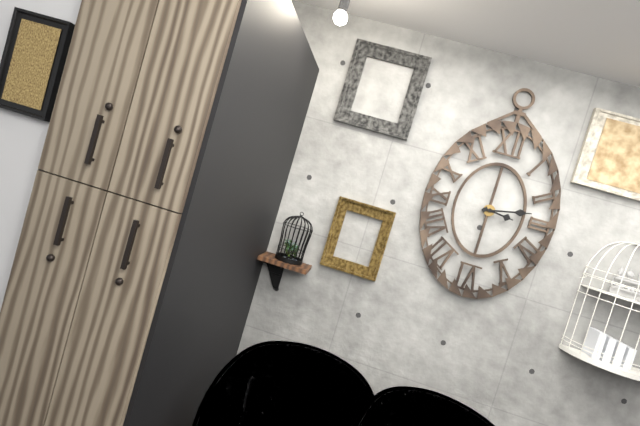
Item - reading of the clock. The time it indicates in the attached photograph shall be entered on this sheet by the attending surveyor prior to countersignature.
3:13
